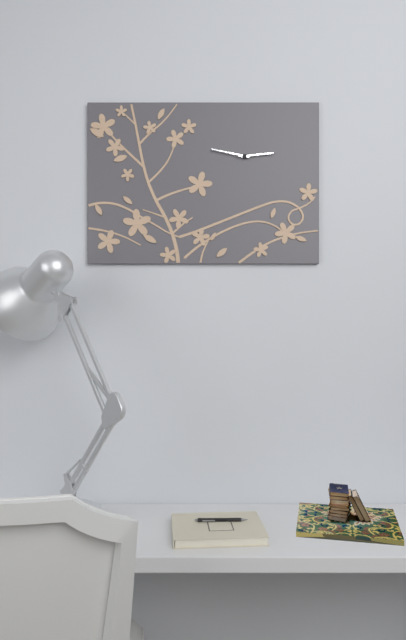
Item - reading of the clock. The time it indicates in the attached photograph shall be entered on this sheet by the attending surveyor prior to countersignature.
2:47
